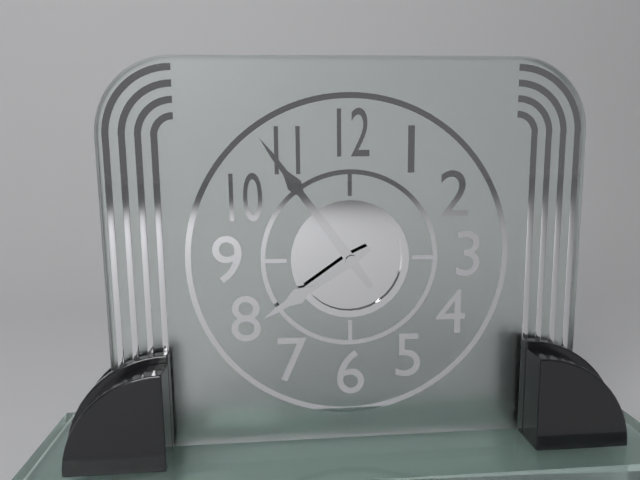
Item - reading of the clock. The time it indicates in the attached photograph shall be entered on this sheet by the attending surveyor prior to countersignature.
7:54
